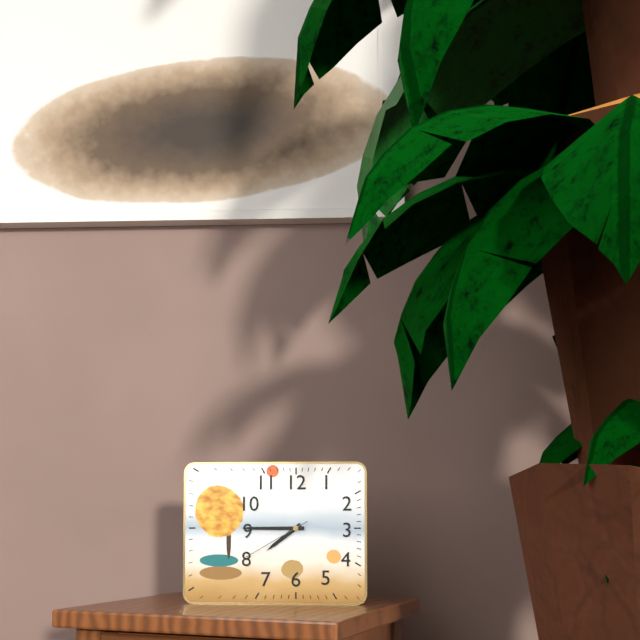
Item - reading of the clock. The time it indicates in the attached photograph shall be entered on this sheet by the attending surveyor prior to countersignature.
7:45:40
